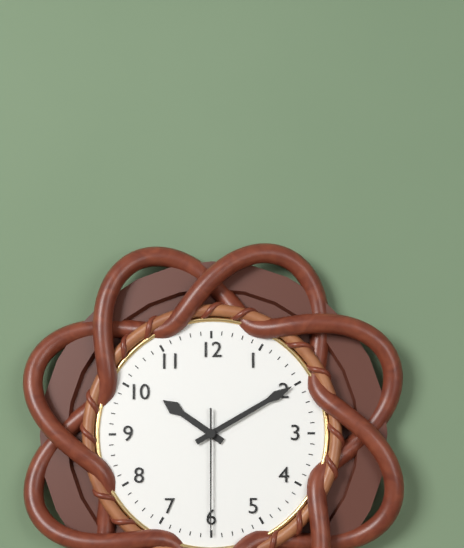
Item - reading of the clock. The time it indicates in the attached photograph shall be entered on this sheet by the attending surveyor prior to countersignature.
10:10:30
